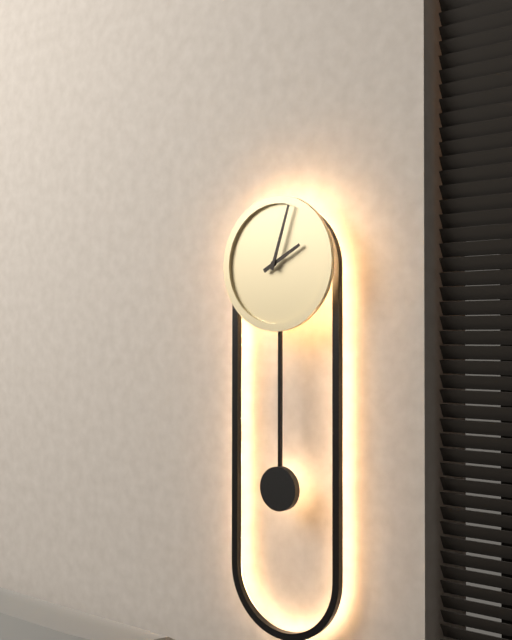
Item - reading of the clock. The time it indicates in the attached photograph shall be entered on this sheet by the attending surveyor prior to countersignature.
2:03
